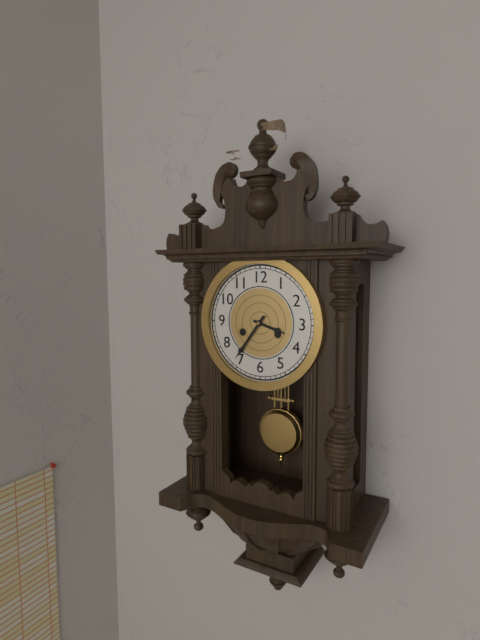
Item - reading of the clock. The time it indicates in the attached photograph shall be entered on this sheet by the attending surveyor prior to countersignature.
3:36
